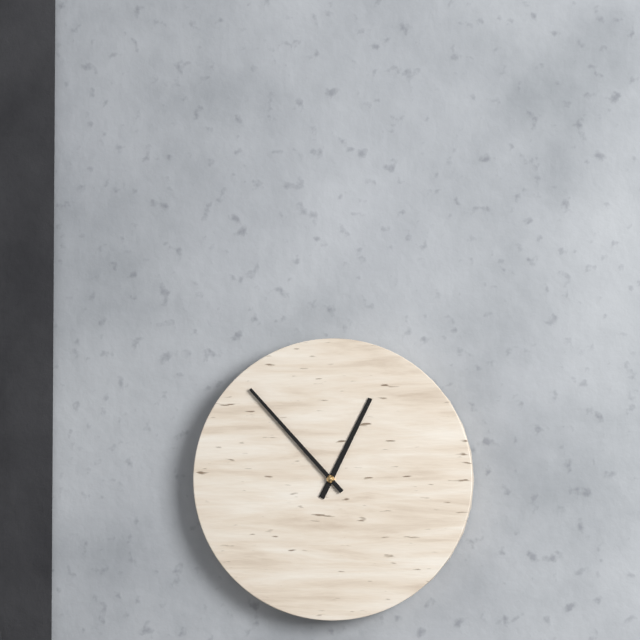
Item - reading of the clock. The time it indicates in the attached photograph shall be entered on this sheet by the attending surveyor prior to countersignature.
12:53
